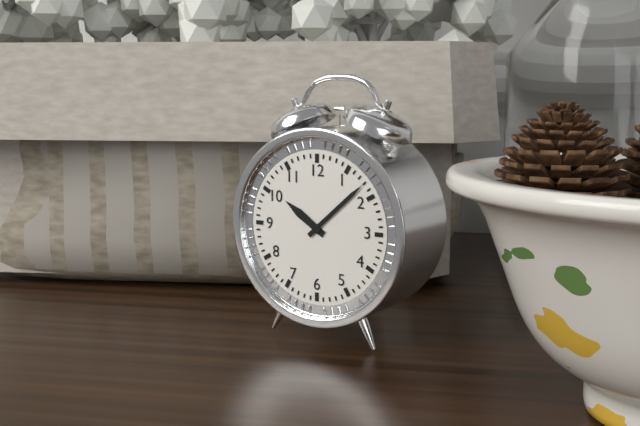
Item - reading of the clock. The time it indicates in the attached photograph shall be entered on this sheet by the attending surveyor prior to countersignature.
10:08
